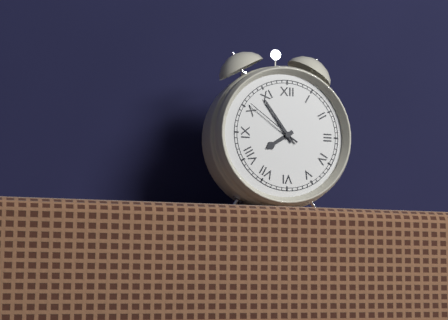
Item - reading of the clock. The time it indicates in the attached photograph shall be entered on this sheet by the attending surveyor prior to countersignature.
7:54:51
